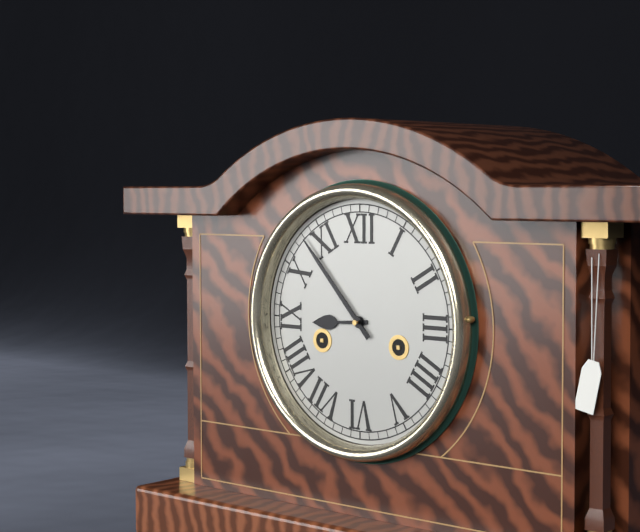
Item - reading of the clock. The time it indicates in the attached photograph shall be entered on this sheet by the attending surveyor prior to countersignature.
8:53
